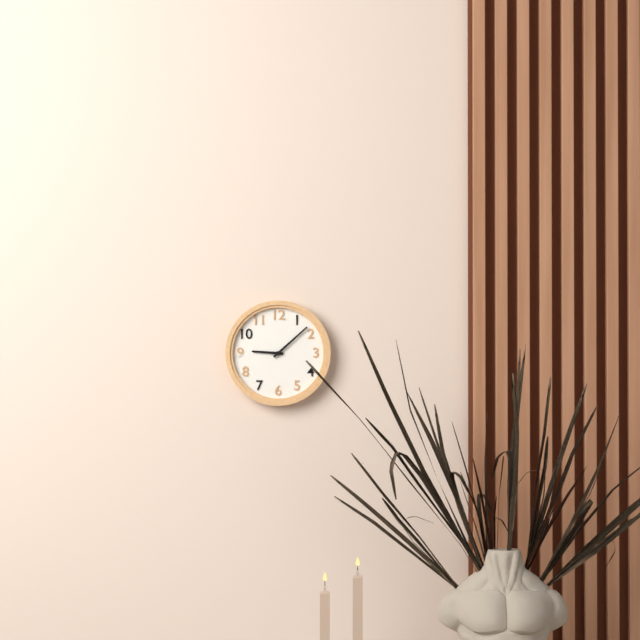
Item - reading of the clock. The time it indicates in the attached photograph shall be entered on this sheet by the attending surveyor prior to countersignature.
9:08
